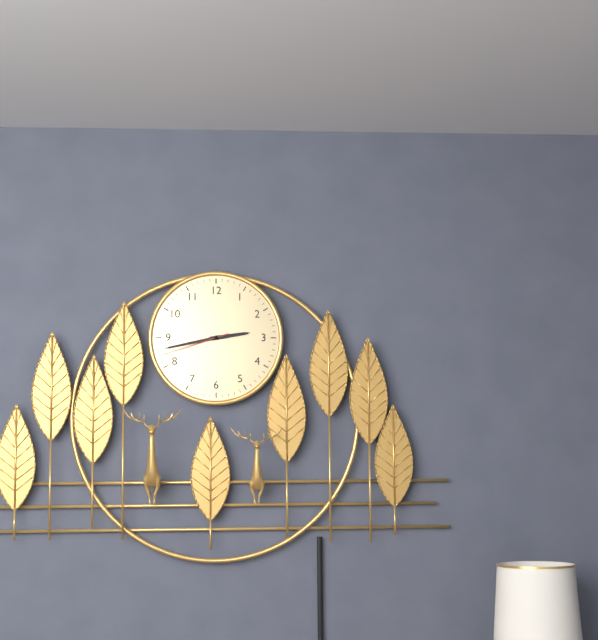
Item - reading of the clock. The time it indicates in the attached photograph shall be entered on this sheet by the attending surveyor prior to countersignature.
2:43:42
